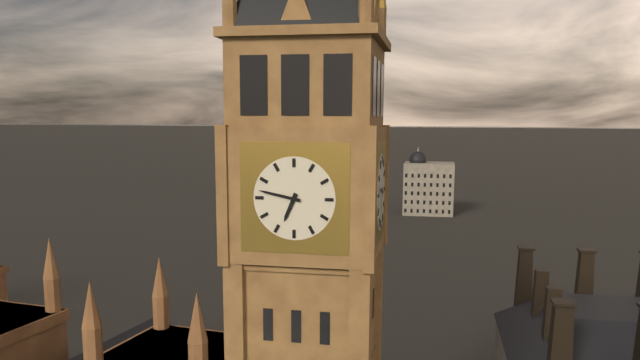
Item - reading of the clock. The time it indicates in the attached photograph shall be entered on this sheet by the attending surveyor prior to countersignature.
6:47
